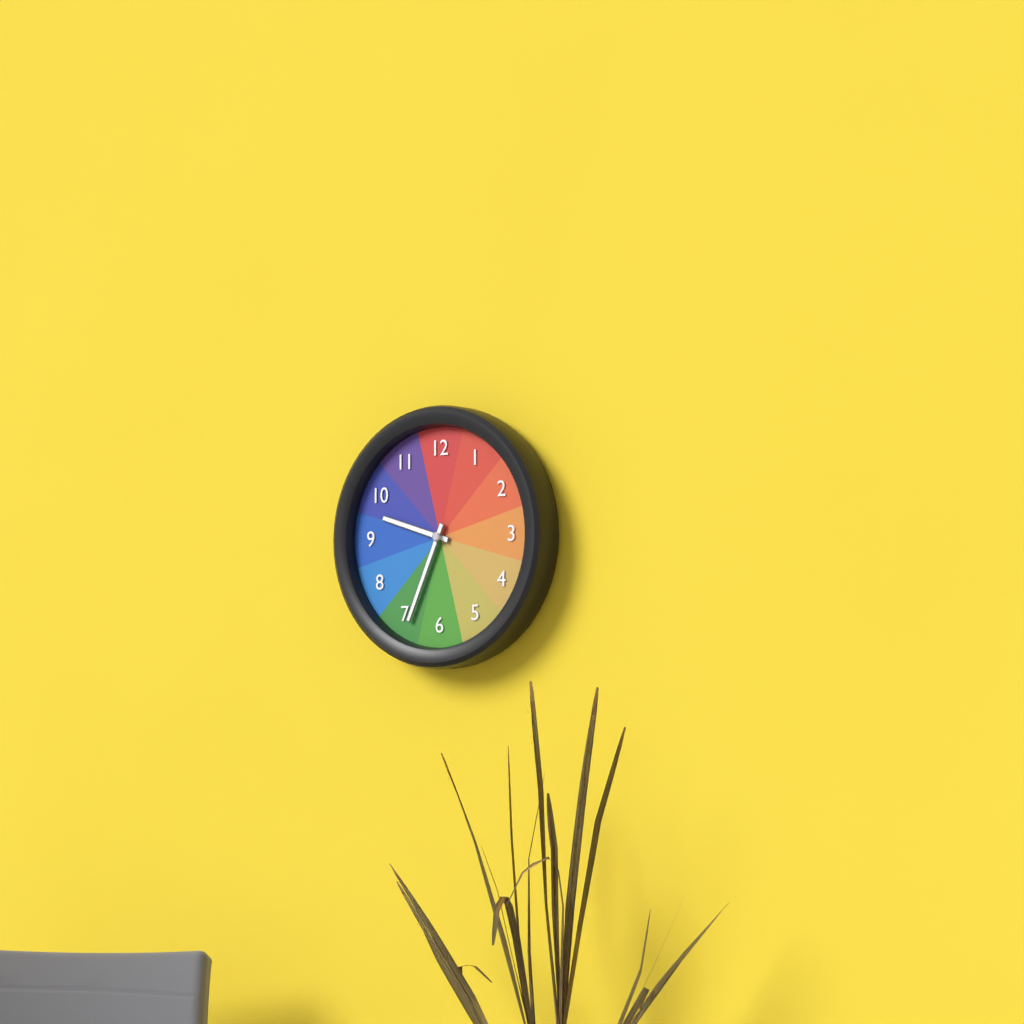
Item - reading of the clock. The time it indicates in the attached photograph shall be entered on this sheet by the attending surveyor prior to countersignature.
9:34
